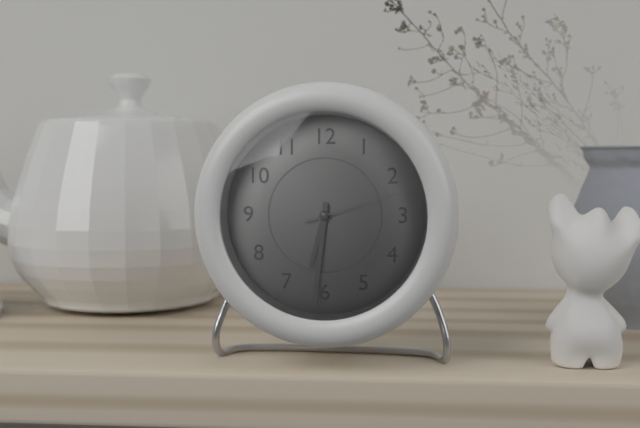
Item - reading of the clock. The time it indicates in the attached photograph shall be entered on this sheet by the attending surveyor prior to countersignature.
6:31:12
